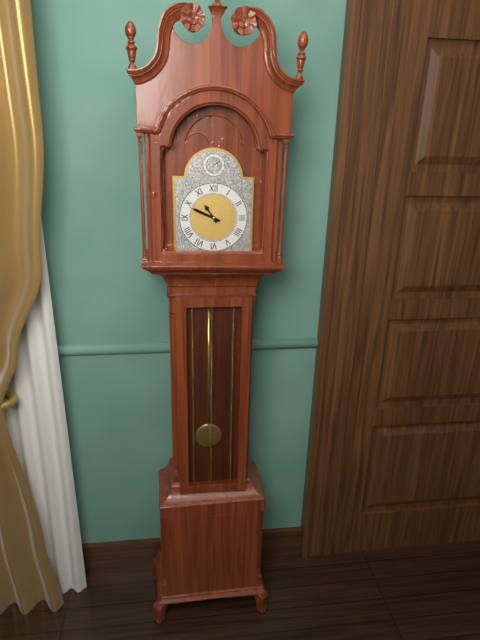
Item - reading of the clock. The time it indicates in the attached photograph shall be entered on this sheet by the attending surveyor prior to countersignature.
10:49
